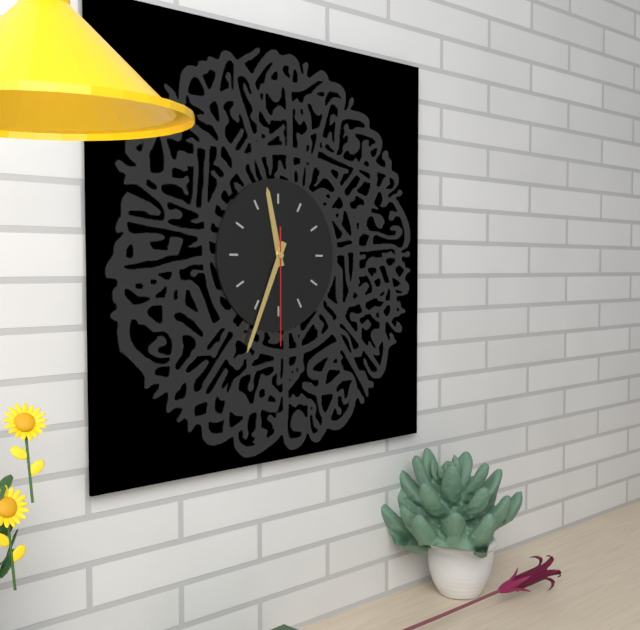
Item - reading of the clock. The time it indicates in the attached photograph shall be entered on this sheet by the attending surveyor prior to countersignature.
11:34:30
